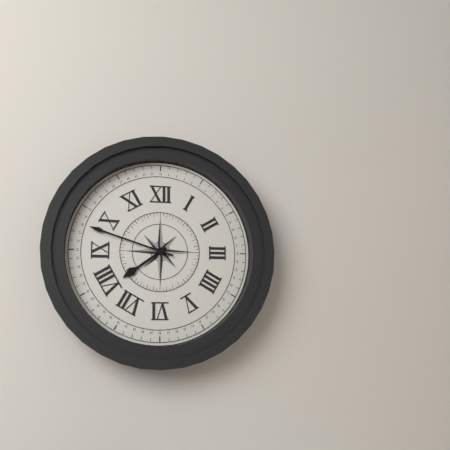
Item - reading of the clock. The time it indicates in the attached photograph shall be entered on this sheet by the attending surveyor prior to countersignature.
7:48
